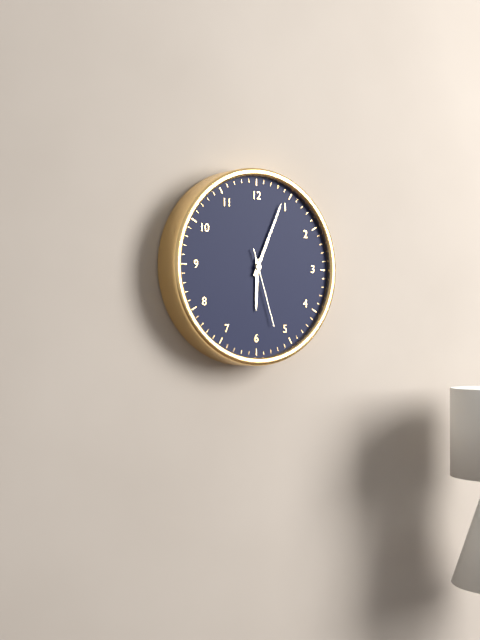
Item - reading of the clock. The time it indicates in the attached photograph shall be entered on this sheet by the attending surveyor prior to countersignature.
6:04:27
